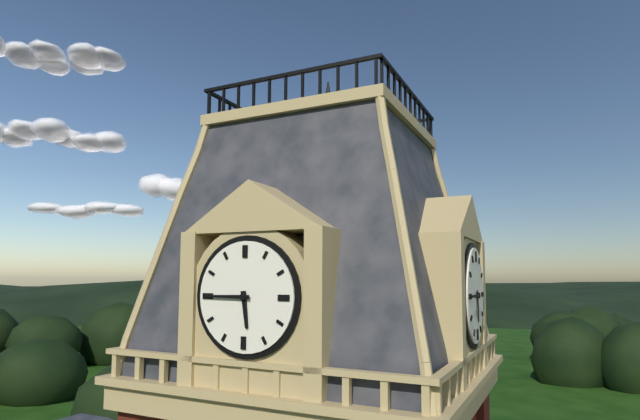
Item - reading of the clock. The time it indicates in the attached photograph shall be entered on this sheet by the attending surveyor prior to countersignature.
5:45
